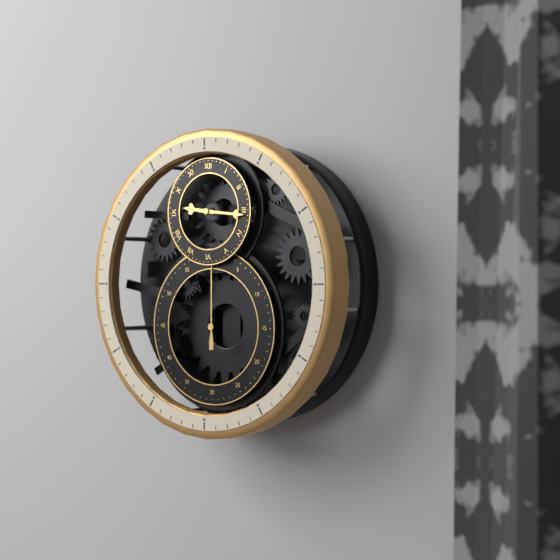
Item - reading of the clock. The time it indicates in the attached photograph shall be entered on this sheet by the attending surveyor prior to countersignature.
9:16:00
